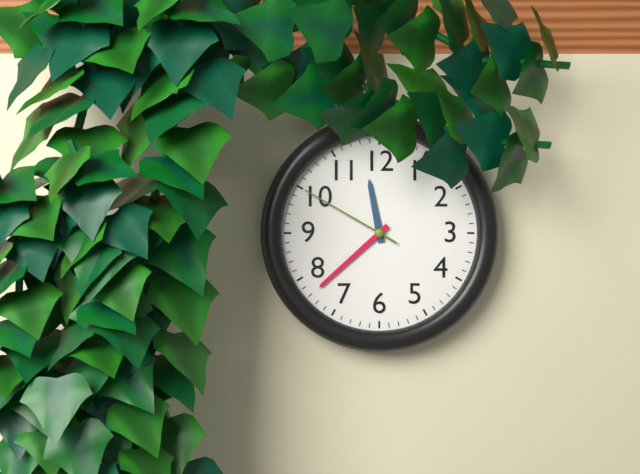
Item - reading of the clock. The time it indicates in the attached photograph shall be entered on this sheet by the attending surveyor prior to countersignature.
11:38:50
